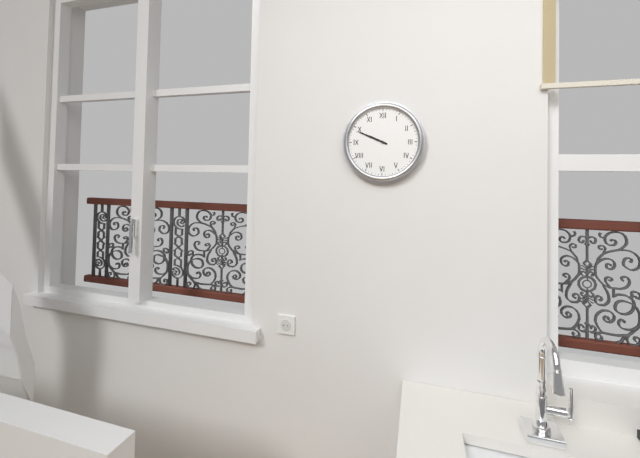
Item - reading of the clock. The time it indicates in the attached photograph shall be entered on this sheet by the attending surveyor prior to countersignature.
9:49
